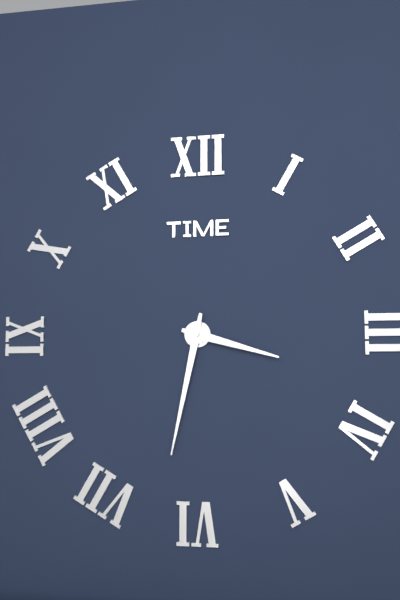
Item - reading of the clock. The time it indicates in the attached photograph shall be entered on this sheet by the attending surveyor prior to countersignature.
3:32
